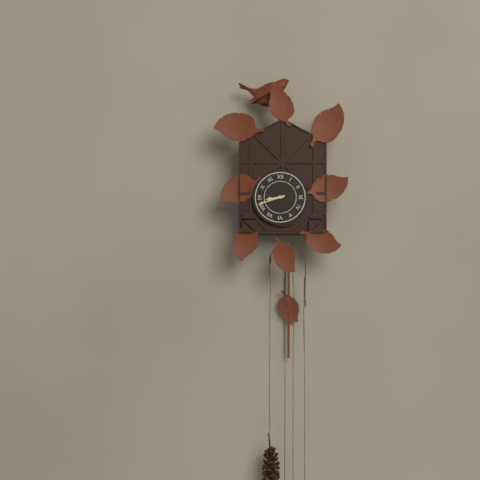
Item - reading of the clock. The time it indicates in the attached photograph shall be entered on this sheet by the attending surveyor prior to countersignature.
8:42
